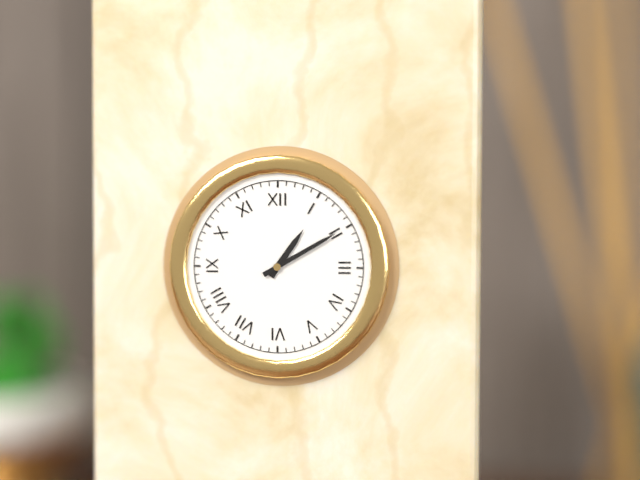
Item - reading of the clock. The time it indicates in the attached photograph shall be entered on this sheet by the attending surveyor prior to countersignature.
1:10
